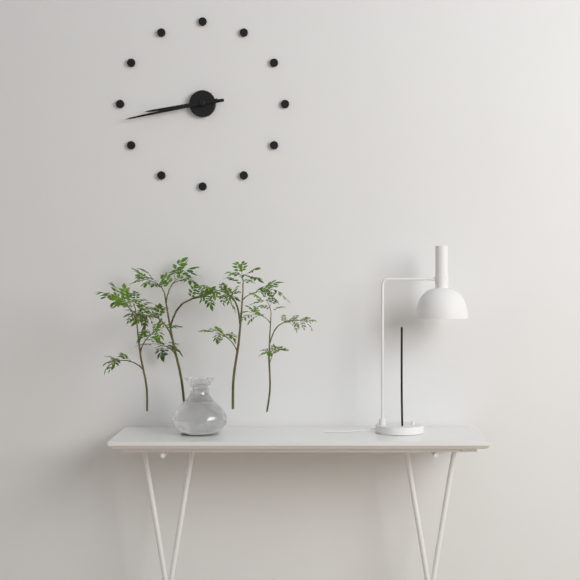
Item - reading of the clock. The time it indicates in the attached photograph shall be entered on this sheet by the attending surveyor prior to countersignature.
8:43
